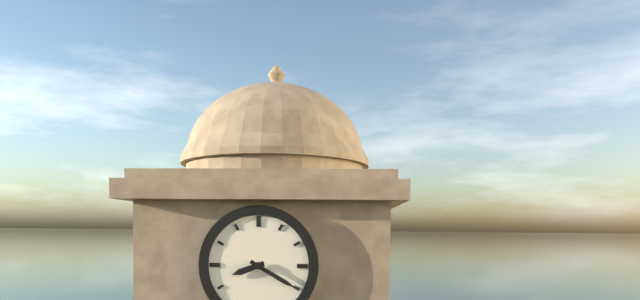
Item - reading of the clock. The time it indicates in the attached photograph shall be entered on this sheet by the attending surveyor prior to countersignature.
8:20
